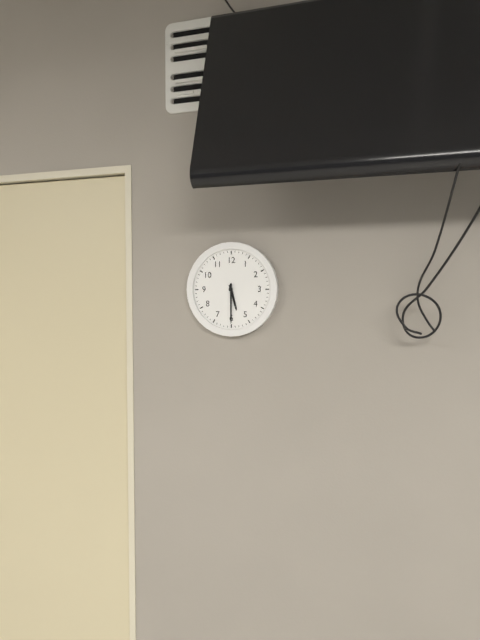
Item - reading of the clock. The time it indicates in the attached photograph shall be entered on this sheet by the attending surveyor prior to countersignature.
5:30
